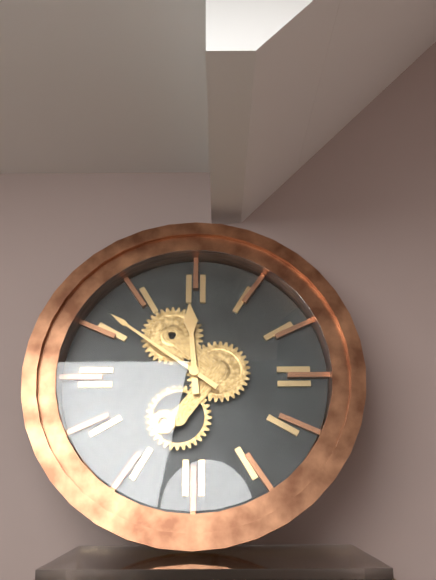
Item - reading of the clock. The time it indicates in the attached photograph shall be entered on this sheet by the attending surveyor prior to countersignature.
11:51
